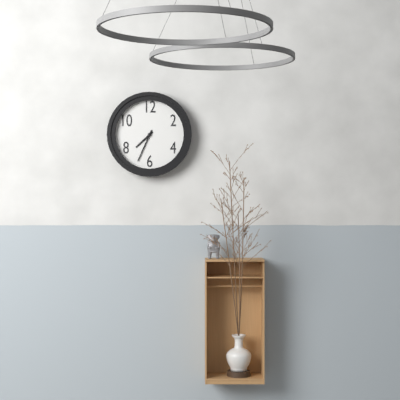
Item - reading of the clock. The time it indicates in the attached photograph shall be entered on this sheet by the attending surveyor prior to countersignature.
7:34
